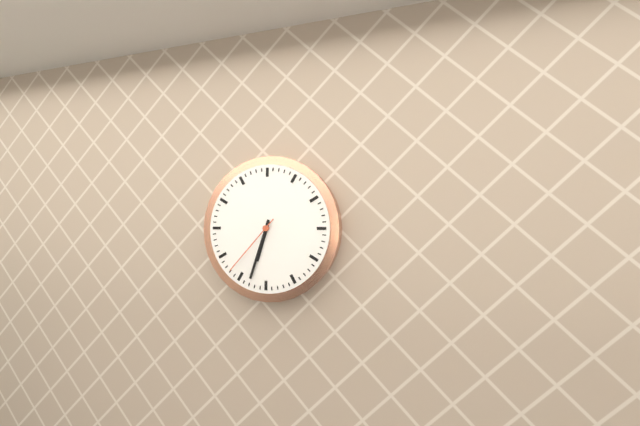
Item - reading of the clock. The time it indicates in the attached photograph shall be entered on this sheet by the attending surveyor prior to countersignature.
6:33:37
